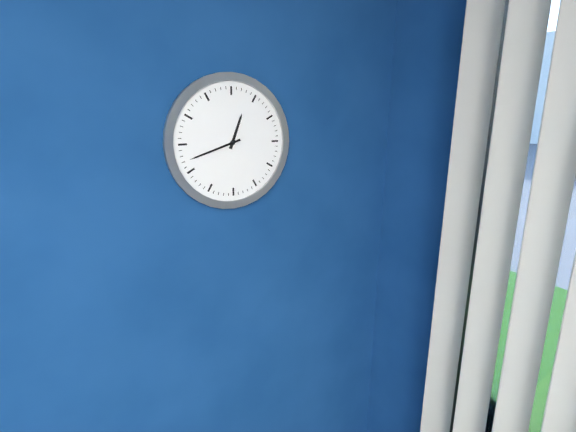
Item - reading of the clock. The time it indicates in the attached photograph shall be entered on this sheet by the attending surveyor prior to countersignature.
12:42
